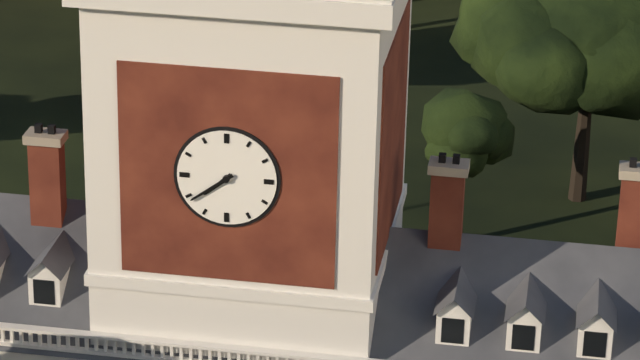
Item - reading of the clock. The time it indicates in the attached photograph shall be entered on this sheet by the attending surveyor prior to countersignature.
7:39
